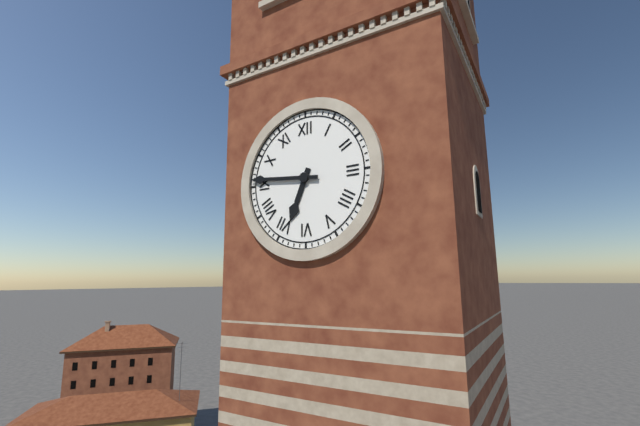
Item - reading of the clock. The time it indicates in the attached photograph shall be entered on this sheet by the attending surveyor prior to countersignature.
6:46
